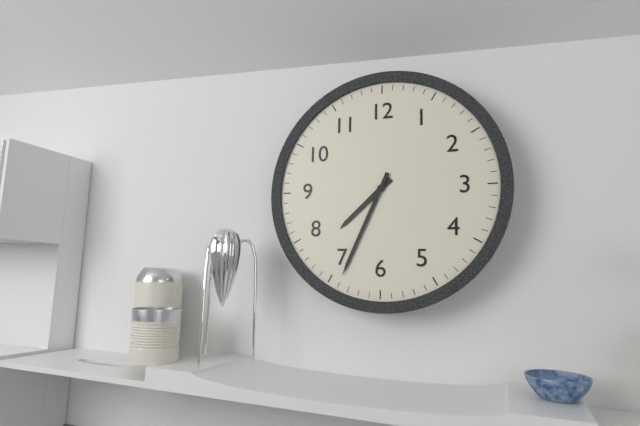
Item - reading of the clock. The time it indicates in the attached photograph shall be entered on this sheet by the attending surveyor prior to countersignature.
7:34
